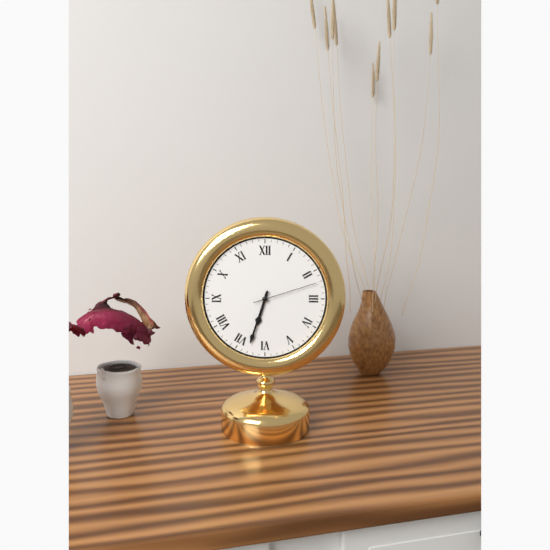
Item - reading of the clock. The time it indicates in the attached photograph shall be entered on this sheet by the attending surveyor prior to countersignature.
6:33:12
